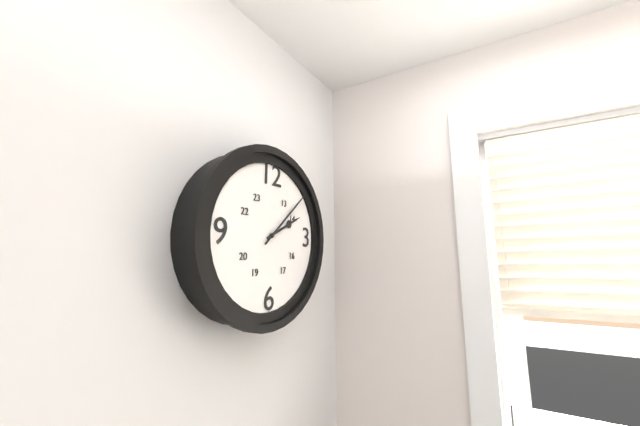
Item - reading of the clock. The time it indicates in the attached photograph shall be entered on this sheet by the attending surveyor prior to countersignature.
2:08
